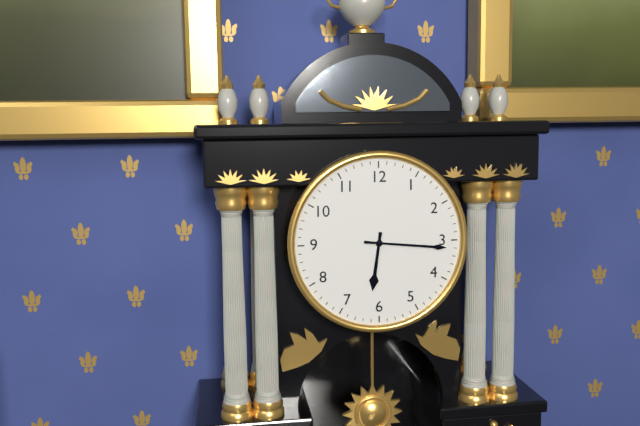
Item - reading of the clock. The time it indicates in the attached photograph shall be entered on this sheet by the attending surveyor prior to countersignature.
6:16
